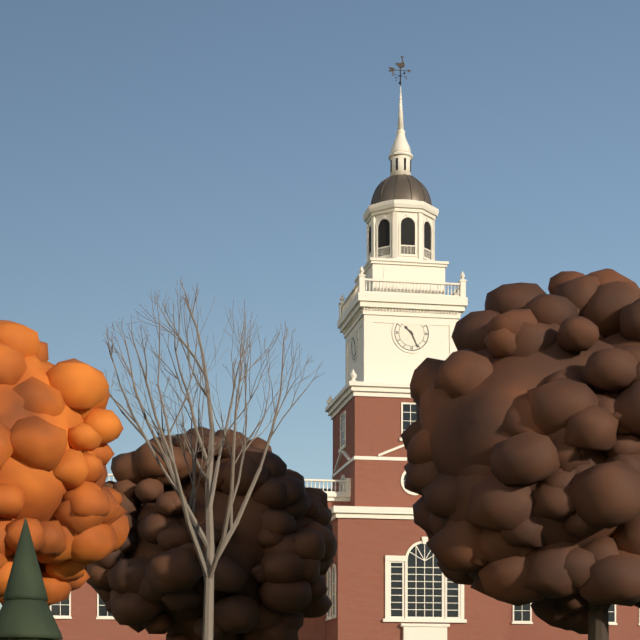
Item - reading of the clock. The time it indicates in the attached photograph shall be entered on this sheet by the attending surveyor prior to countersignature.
10:26
